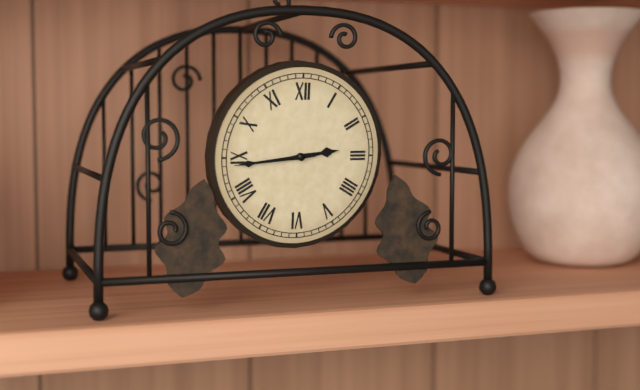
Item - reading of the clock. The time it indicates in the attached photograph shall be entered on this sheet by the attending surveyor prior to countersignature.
2:44
